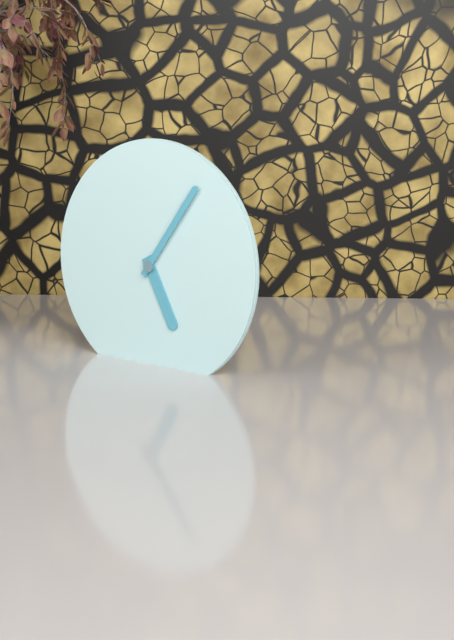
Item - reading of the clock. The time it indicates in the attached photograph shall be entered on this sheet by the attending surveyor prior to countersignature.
5:06
